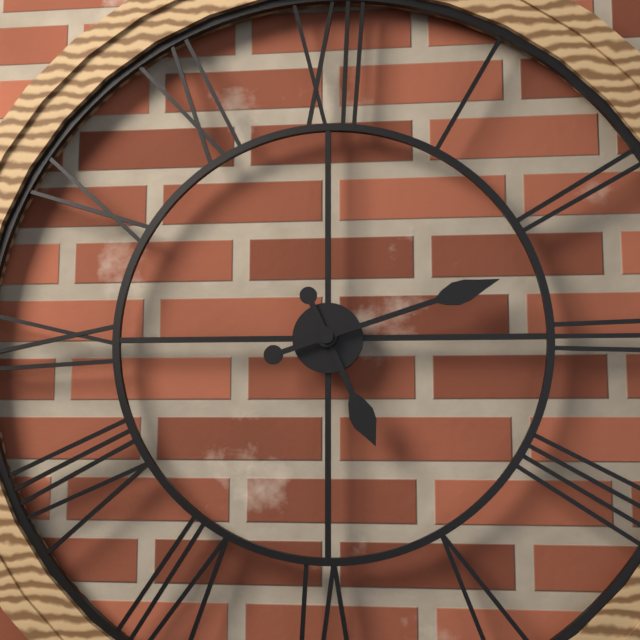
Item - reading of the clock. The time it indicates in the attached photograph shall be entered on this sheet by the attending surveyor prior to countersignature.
5:12
